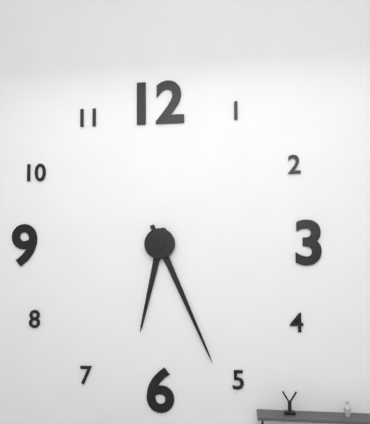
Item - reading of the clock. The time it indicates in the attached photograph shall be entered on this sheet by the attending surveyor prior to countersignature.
6:26
